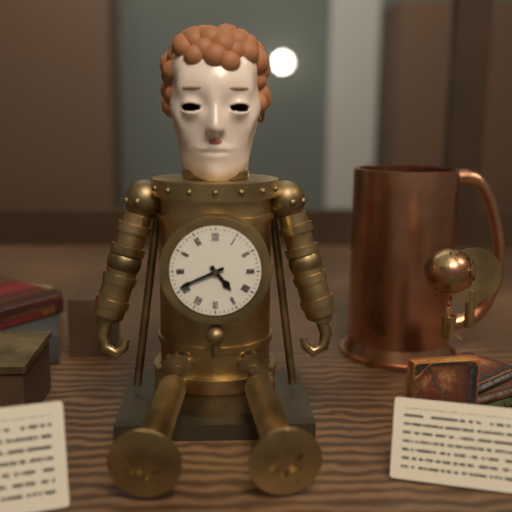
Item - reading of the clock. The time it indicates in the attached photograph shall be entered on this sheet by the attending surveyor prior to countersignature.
4:41
